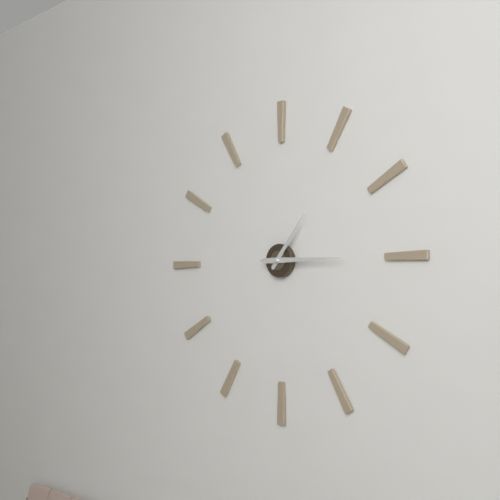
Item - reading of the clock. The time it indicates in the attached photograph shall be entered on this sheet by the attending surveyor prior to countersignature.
1:15
